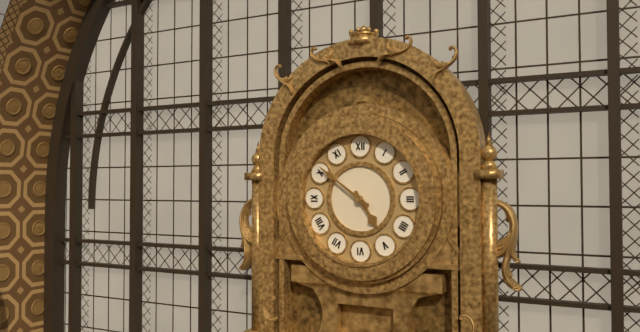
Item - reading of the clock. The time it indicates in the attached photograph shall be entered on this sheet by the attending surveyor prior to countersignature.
4:51
